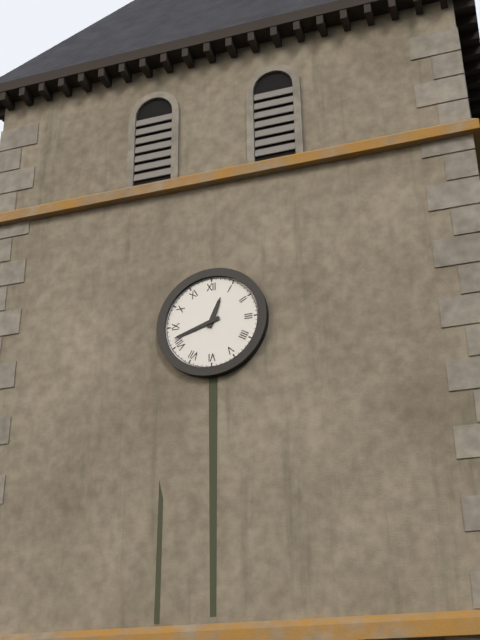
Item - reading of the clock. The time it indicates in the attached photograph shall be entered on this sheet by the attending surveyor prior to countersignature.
12:42
